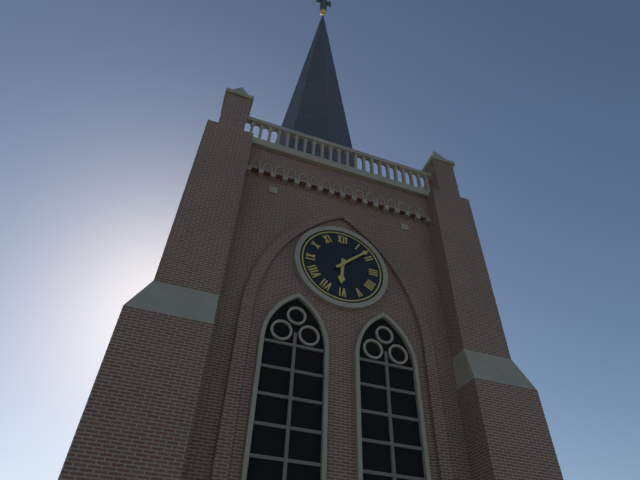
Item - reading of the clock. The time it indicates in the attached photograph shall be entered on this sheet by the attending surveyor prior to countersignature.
6:08
